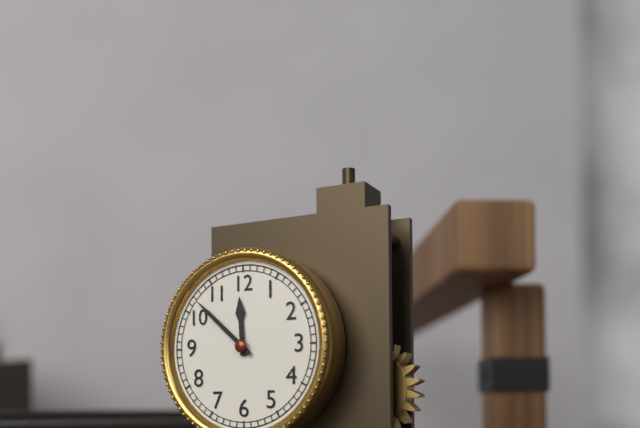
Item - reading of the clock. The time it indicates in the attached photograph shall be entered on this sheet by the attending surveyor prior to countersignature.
11:52
